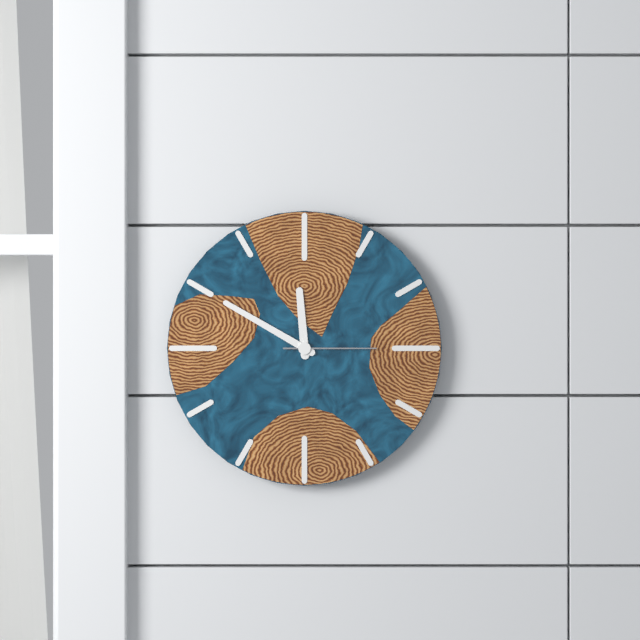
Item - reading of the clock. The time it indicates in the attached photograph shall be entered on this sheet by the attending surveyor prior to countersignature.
11:50:15
